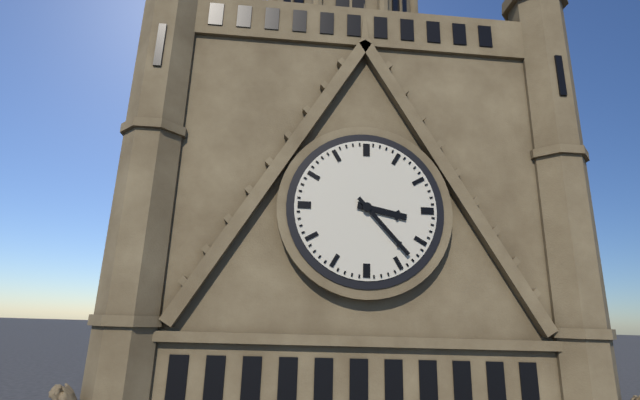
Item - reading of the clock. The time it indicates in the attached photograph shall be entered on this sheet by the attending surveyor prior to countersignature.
3:23
